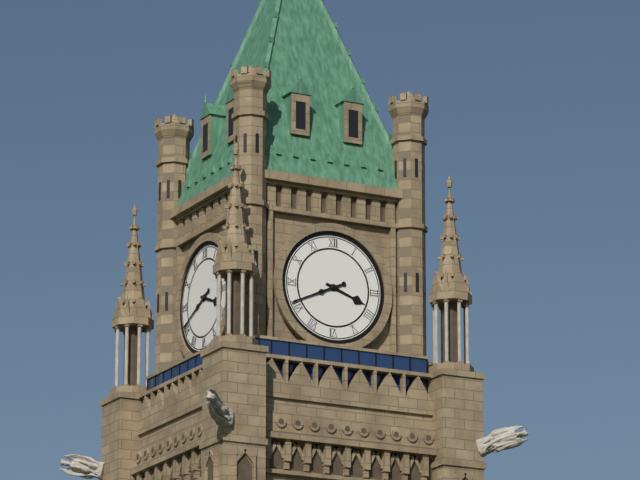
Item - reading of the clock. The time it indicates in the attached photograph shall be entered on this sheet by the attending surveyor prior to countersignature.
3:41
